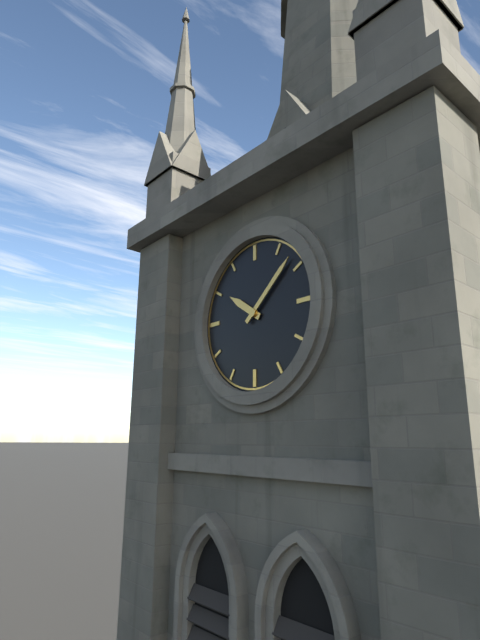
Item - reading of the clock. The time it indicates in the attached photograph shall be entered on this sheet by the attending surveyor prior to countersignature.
10:08
